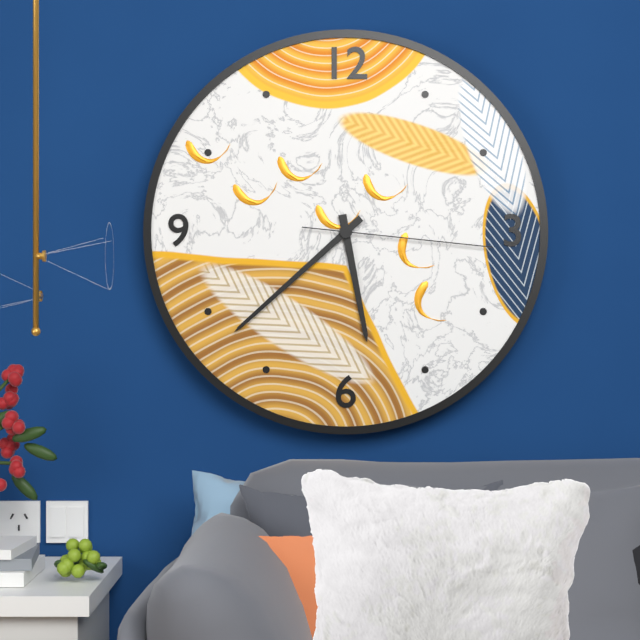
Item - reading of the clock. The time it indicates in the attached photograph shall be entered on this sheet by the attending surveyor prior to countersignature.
5:38:16
